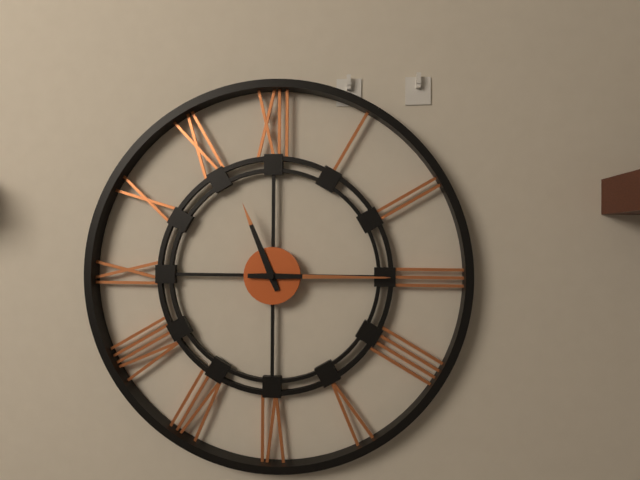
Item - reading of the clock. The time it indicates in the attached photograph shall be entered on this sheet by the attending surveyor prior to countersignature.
11:15
